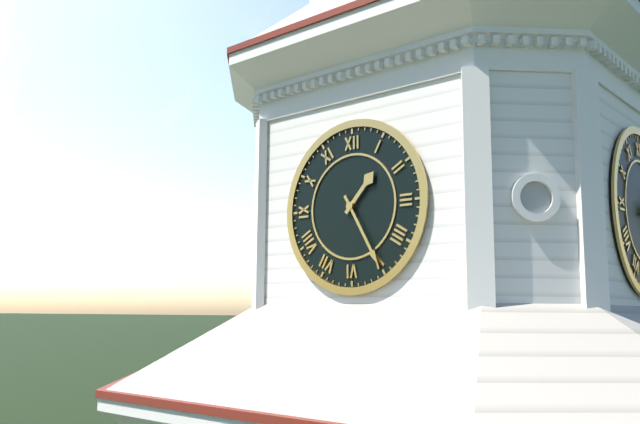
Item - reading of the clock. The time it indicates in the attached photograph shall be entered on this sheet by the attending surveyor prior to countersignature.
1:25
